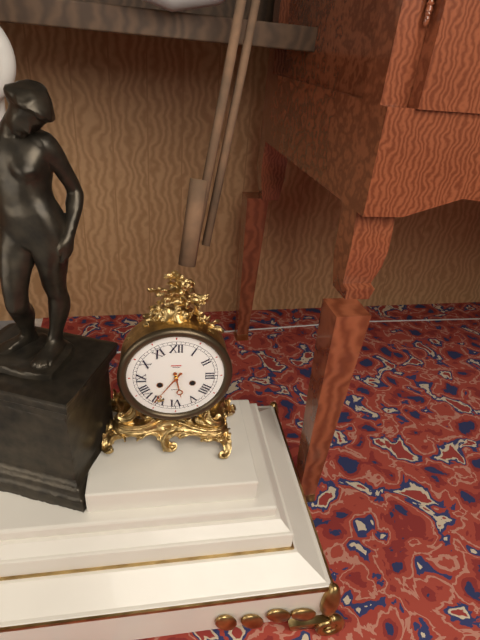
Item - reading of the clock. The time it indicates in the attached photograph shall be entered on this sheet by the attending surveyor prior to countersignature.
5:36
